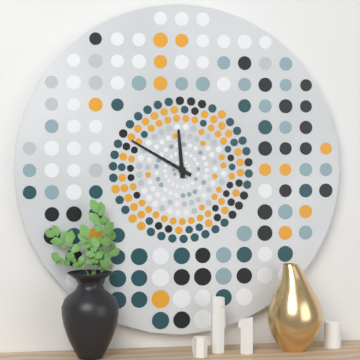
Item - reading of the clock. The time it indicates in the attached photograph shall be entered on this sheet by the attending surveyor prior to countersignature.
11:50
